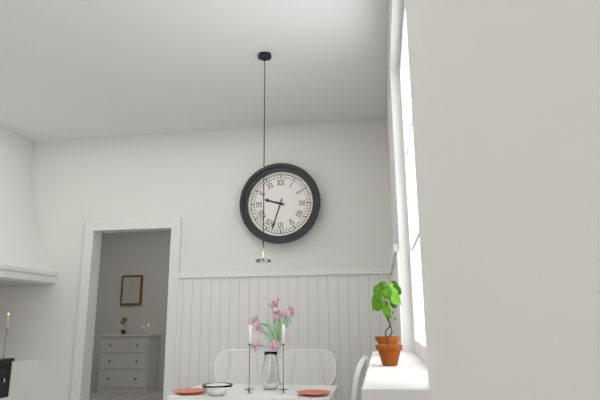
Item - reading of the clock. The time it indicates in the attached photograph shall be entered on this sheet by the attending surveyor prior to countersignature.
9:33
